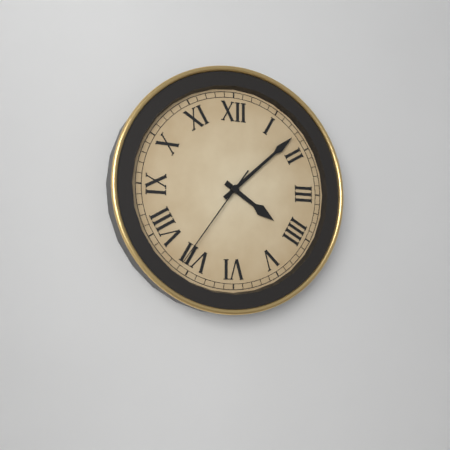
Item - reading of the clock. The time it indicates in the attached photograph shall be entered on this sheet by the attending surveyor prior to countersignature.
4:08:36
